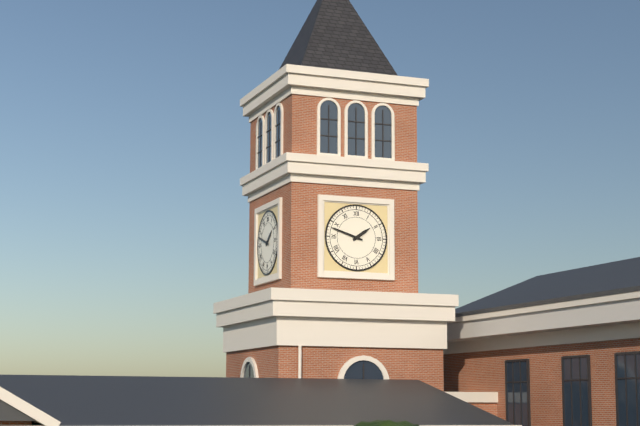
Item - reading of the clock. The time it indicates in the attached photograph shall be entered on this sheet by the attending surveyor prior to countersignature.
1:48
